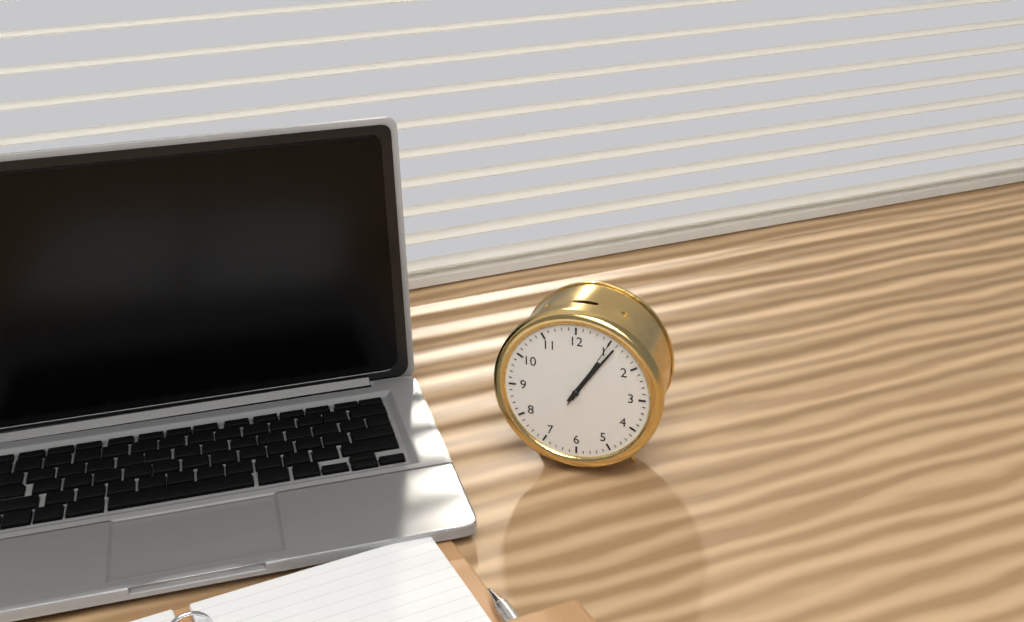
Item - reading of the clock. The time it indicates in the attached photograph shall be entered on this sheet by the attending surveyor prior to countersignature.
1:06:05
